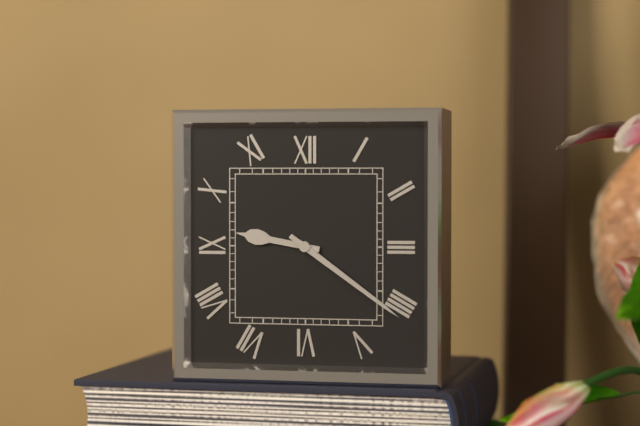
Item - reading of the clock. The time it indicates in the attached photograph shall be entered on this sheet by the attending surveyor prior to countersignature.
9:21
